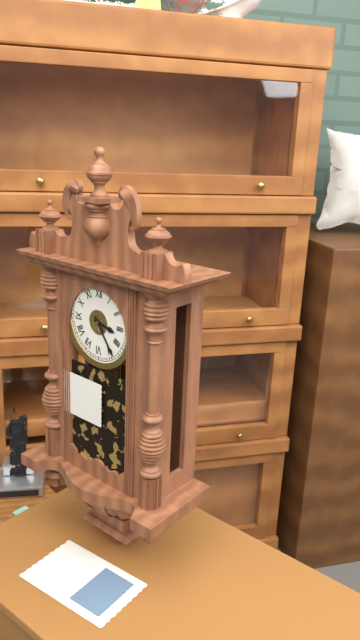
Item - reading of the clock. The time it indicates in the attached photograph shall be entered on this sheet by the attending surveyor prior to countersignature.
3:24
